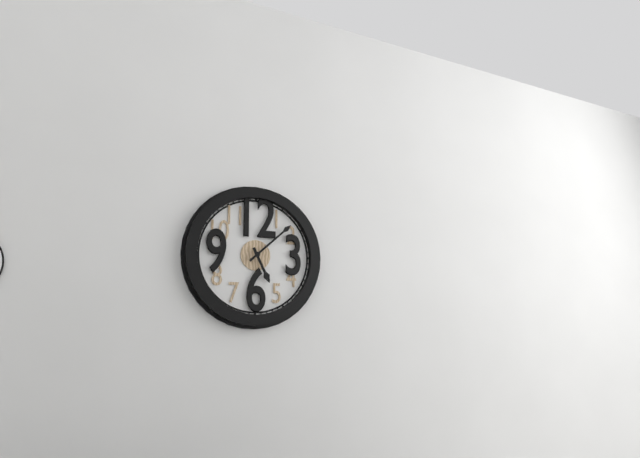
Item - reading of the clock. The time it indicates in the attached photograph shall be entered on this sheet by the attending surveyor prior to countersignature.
5:08
